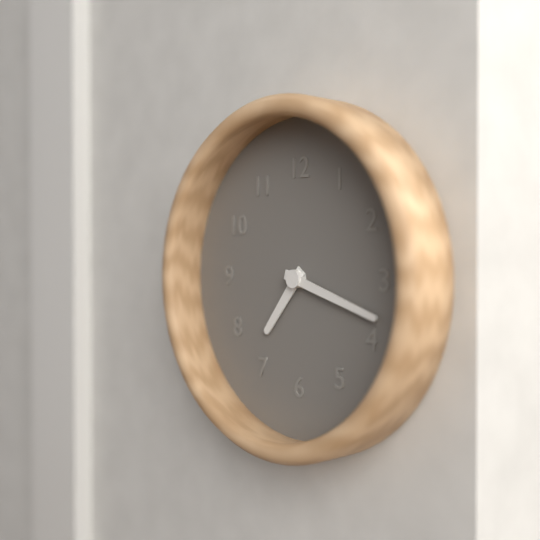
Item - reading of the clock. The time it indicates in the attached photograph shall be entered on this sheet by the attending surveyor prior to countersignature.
7:18
